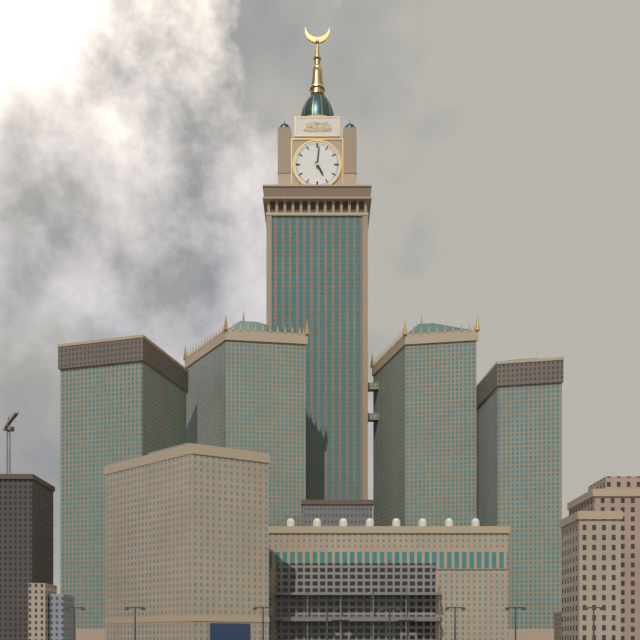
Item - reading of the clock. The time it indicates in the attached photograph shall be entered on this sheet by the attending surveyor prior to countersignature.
5:01
